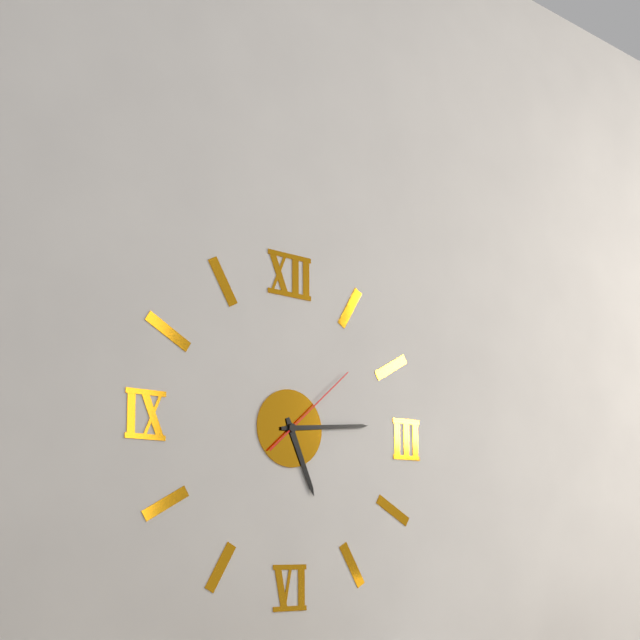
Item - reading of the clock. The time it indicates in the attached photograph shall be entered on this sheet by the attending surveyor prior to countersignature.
5:14:08
